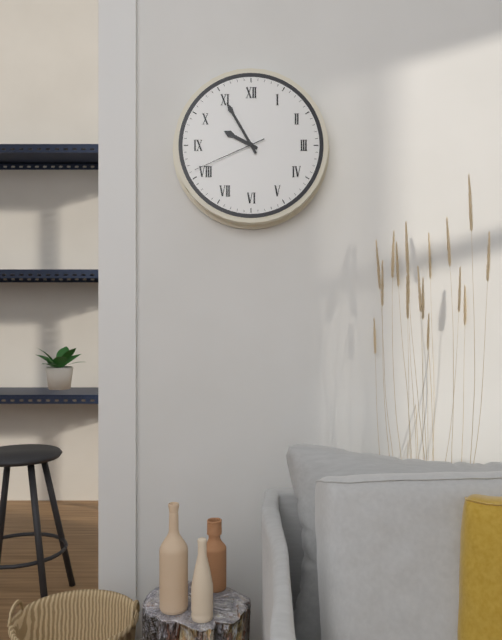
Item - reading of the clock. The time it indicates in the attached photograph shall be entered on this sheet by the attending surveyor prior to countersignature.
9:55:41
